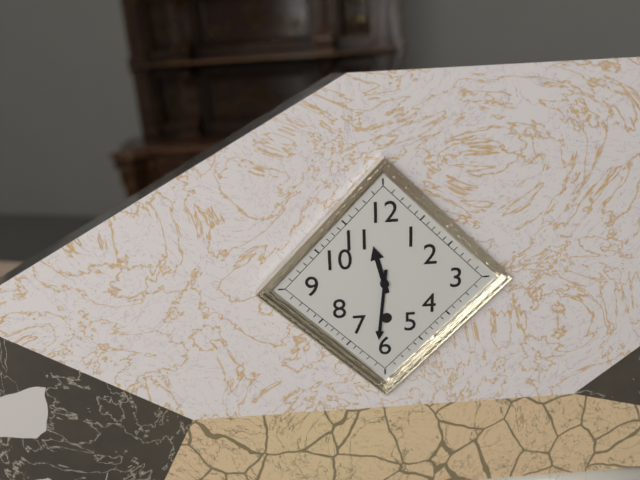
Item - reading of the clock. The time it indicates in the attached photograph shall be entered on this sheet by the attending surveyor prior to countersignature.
11:31
